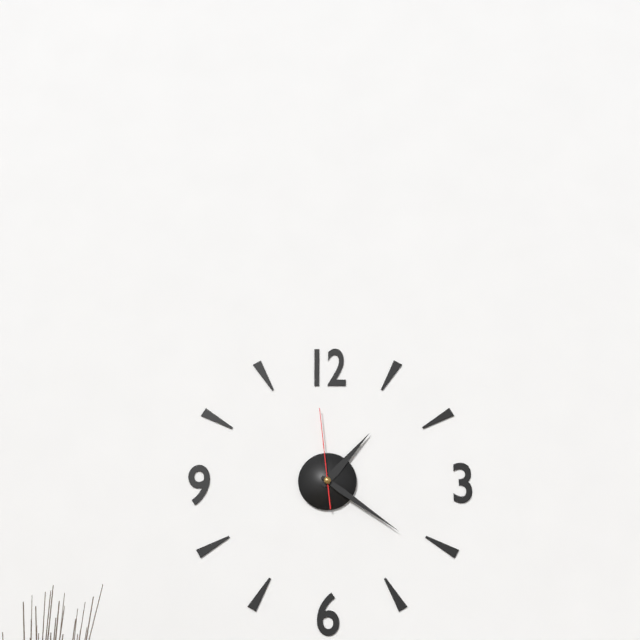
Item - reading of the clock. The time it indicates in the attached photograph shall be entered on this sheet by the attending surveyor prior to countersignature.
1:21:59
